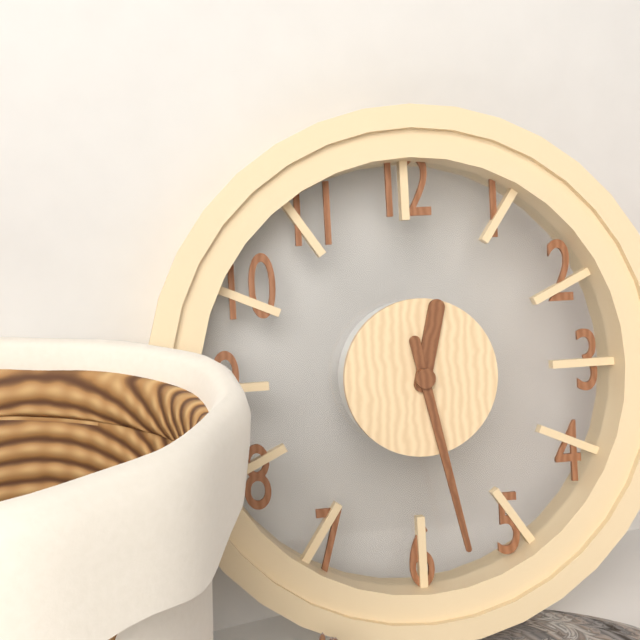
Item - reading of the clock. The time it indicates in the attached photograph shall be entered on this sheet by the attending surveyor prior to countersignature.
12:28
